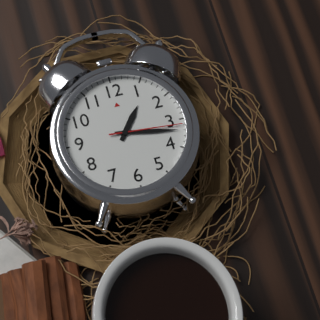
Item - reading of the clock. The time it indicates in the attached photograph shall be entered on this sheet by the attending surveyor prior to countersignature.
1:17:16
